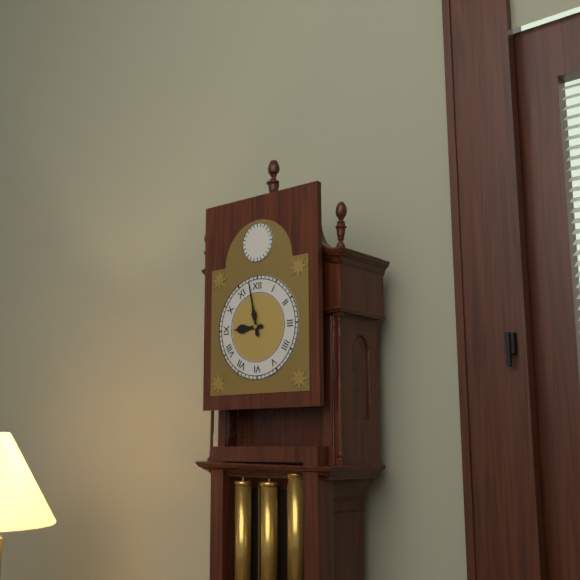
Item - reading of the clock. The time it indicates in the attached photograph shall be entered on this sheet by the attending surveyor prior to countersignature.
8:58
